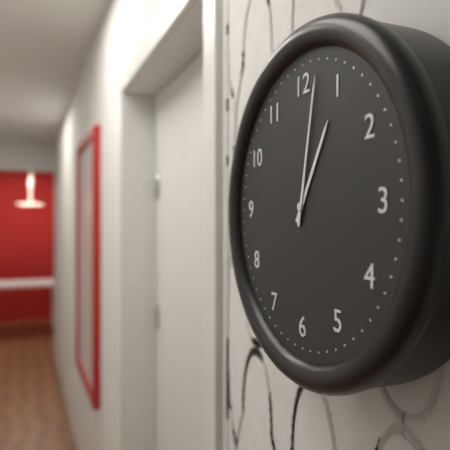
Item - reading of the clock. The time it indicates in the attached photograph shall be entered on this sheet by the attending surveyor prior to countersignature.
1:02
